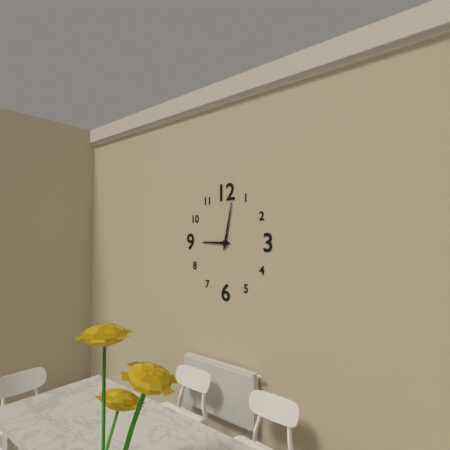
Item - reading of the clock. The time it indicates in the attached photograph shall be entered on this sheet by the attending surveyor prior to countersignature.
9:02
